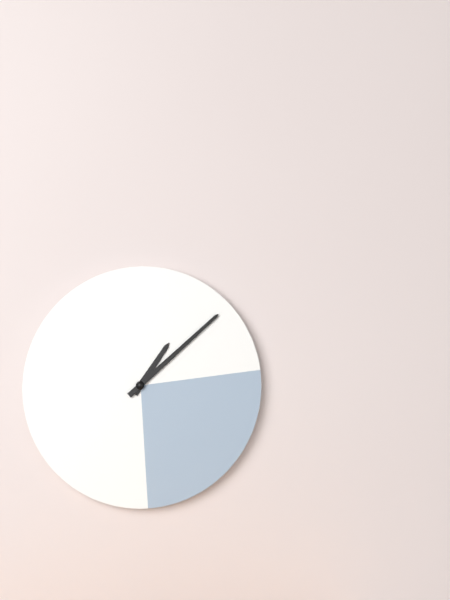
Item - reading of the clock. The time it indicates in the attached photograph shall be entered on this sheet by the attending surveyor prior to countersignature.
1:08
